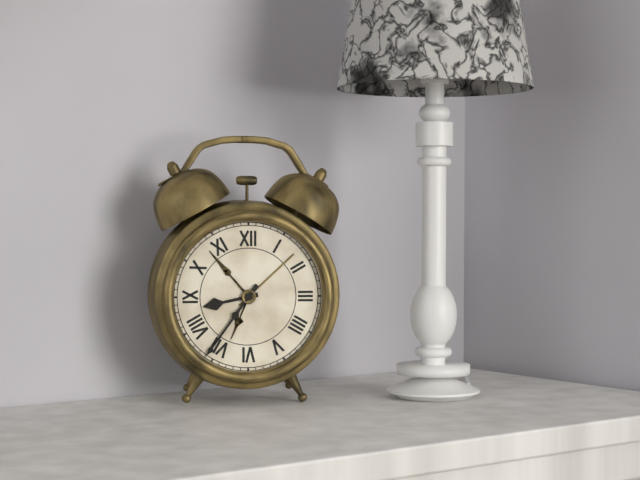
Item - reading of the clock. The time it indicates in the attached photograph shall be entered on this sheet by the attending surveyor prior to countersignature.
8:36
